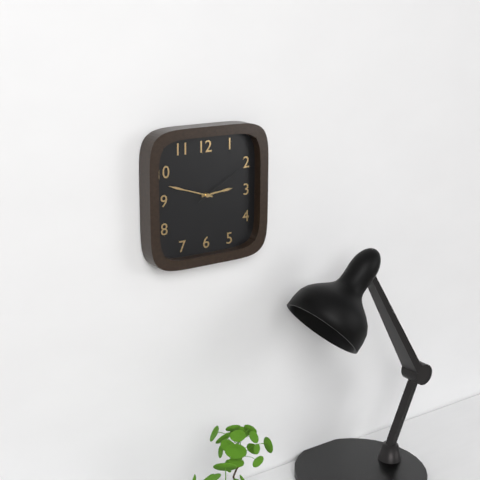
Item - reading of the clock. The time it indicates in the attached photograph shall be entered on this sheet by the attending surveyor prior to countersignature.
2:48:10
